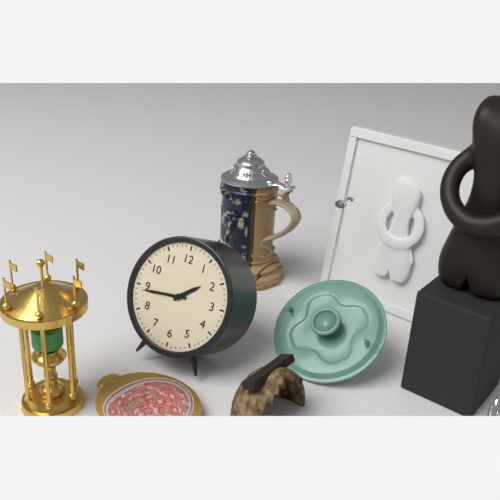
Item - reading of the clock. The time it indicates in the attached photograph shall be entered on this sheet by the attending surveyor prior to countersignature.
1:44
